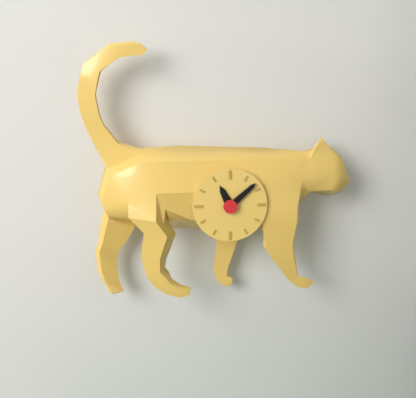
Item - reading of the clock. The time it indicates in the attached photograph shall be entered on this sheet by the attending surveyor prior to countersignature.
11:08
